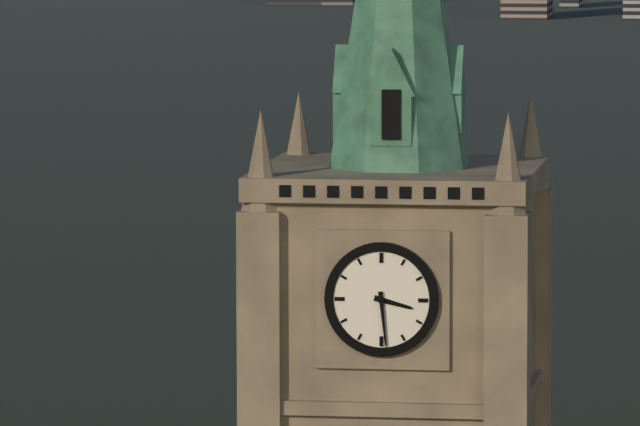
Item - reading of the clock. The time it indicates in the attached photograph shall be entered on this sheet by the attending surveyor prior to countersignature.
3:29
